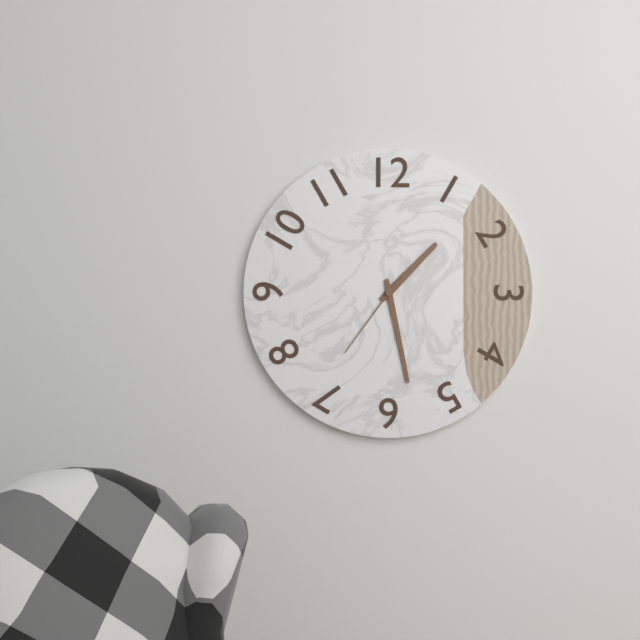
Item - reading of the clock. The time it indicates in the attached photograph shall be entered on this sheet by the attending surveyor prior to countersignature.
1:28:36
